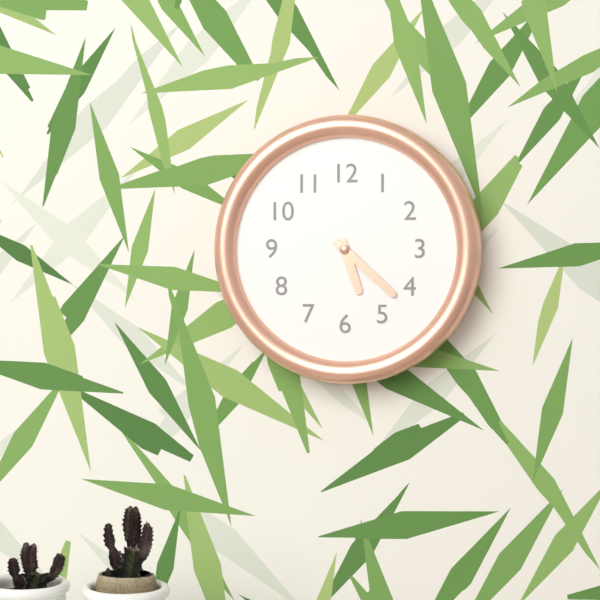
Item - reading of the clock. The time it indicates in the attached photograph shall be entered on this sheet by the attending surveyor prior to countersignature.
5:22
